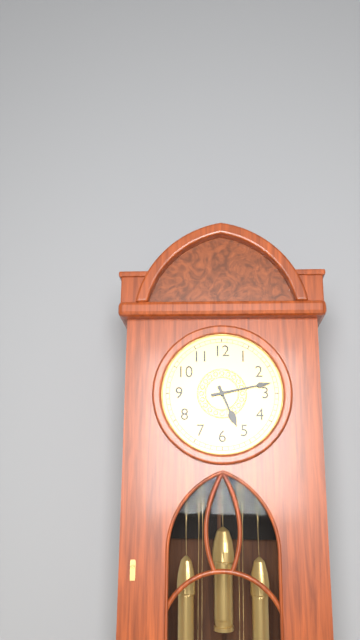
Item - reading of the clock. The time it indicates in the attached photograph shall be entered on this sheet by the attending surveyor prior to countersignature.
5:13
